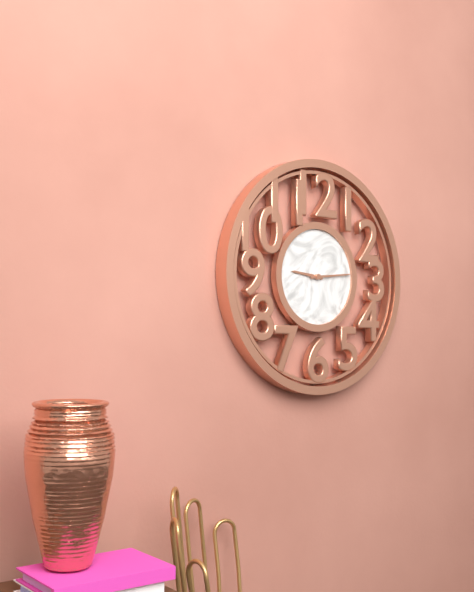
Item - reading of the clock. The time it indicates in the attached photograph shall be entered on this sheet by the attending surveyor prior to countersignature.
9:14
